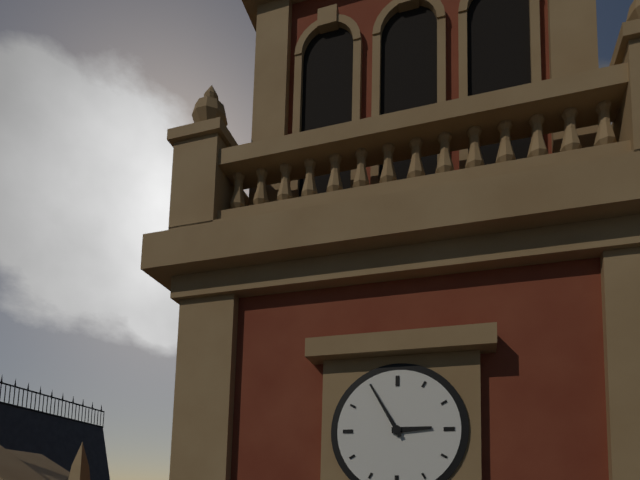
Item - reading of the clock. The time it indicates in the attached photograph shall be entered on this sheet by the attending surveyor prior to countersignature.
2:55
